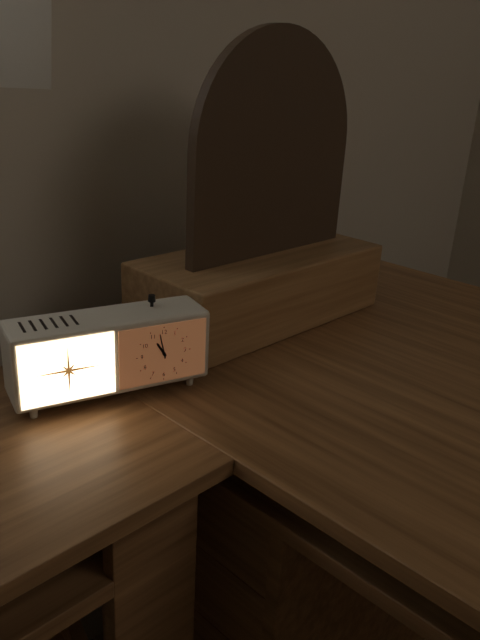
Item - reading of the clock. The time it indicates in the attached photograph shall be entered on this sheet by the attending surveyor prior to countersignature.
10:58
